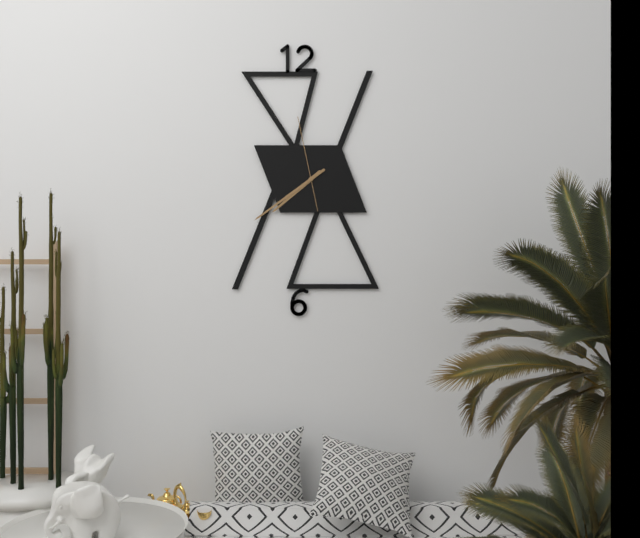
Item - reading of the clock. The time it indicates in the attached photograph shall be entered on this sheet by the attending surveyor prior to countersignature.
7:39:58
